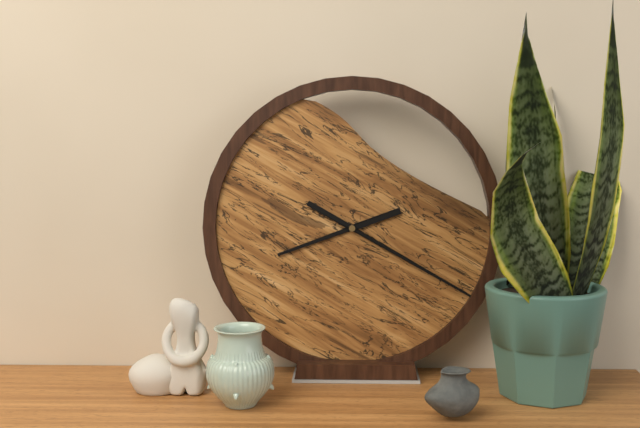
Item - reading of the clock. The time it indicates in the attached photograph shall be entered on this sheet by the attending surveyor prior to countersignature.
8:20
